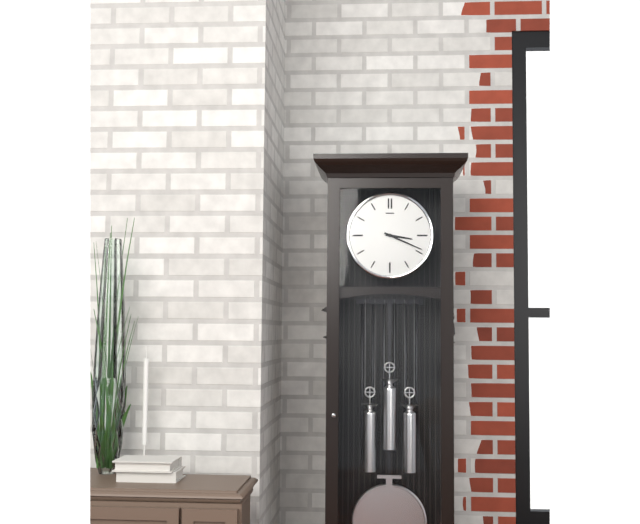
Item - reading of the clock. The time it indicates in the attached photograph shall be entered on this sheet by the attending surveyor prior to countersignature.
3:19
